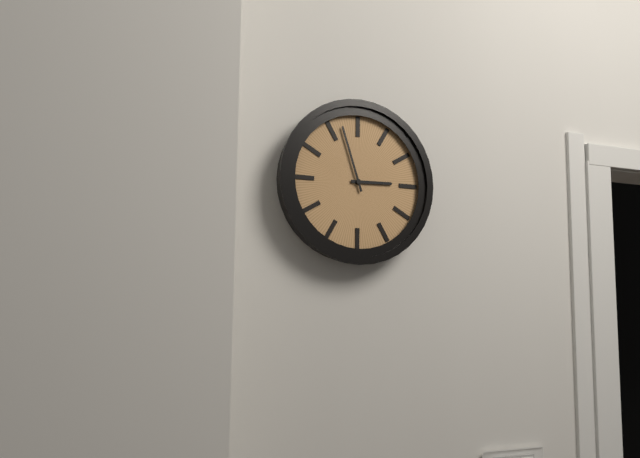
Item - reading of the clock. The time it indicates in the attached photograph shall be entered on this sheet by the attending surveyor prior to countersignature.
2:57
